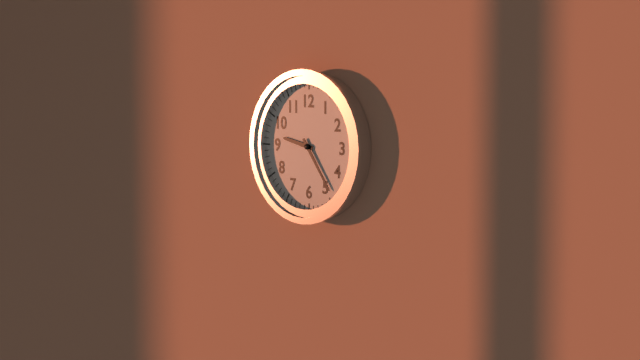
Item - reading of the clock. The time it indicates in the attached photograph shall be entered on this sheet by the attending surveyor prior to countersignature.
9:24
